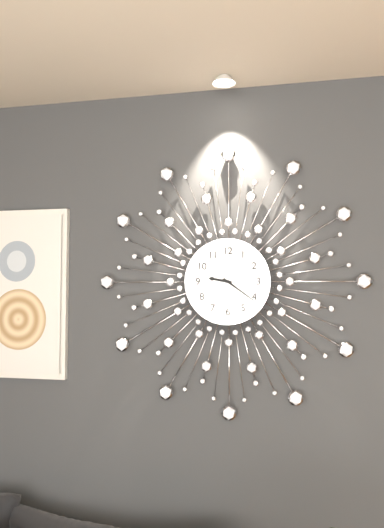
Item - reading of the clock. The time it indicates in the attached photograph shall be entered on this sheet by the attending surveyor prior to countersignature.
9:21
